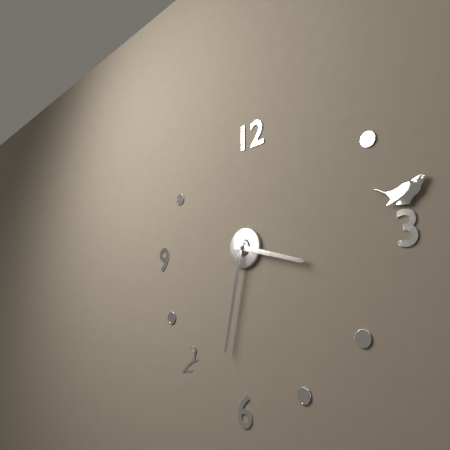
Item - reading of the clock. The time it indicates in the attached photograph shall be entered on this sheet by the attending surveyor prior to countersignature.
3:32
